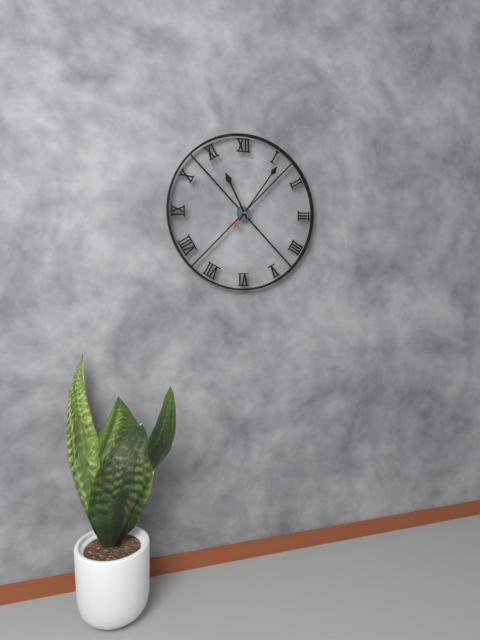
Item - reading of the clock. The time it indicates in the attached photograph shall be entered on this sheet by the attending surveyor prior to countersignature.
11:06
